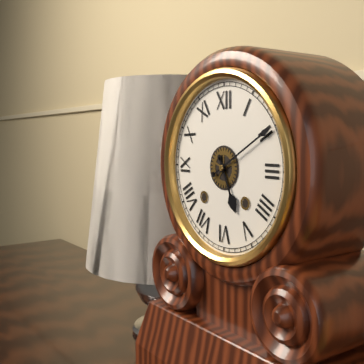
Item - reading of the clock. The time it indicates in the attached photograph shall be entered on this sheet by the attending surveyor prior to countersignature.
5:10
